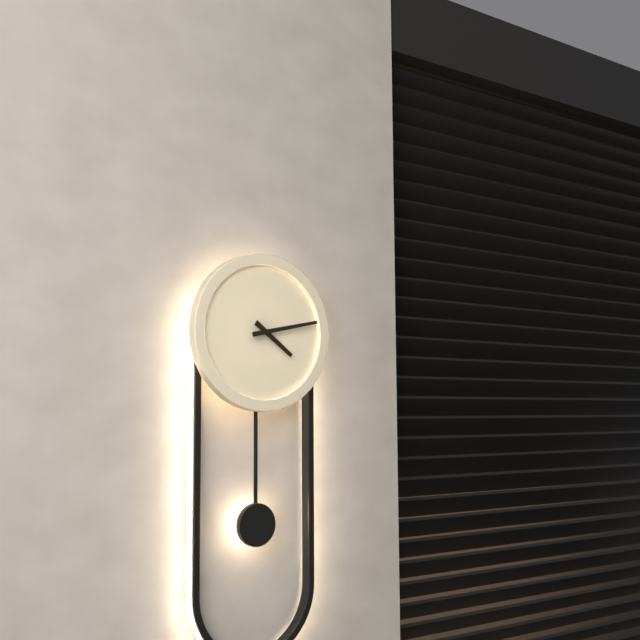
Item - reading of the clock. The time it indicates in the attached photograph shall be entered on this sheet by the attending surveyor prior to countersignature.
4:13
